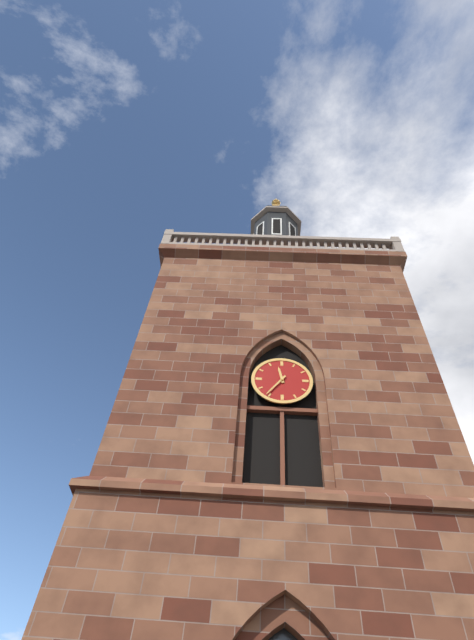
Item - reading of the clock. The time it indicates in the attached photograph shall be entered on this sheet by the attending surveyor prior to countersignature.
11:36
